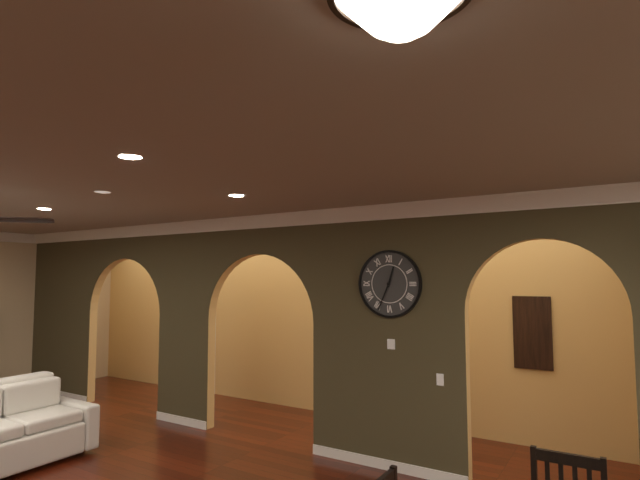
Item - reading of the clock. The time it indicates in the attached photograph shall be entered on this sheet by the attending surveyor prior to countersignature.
12:34
